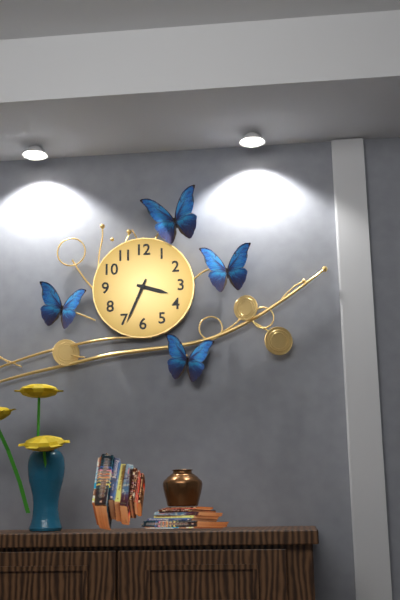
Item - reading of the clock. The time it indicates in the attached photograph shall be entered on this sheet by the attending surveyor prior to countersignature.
3:34
